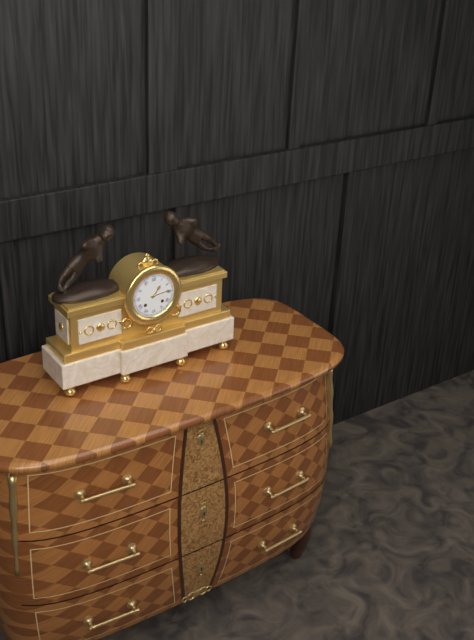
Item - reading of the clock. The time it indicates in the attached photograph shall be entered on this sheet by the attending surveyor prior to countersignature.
1:14
